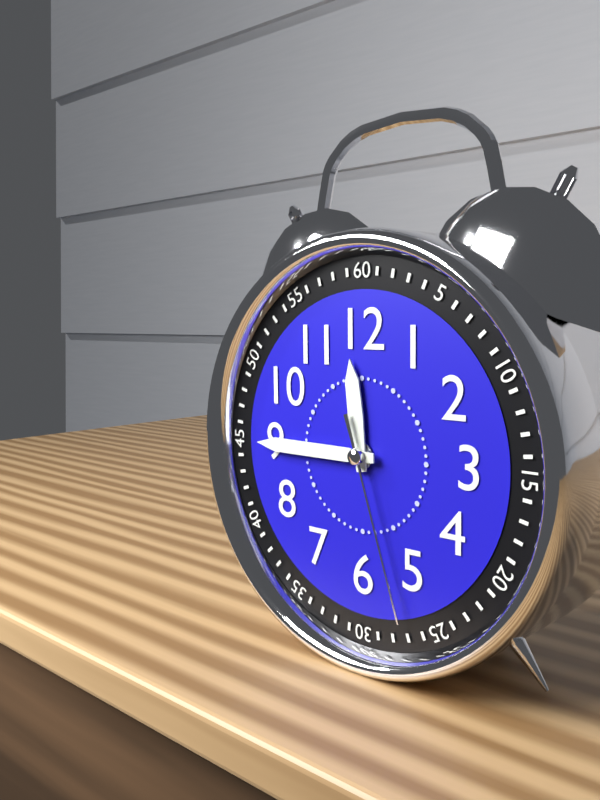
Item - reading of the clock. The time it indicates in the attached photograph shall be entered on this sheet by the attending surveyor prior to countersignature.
11:45:27
